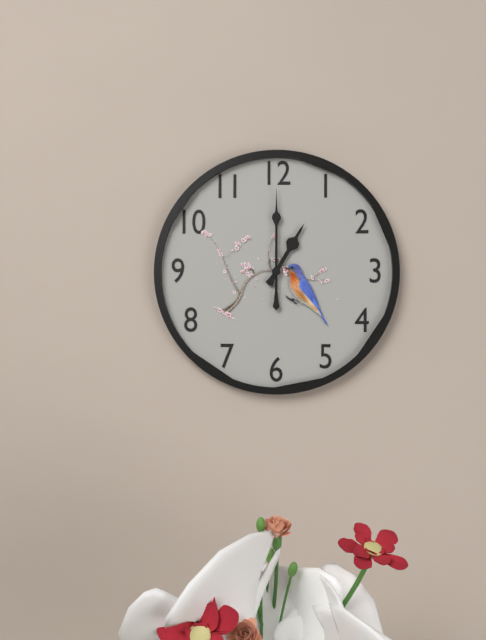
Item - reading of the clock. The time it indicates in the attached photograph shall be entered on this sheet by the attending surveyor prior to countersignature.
1:00
